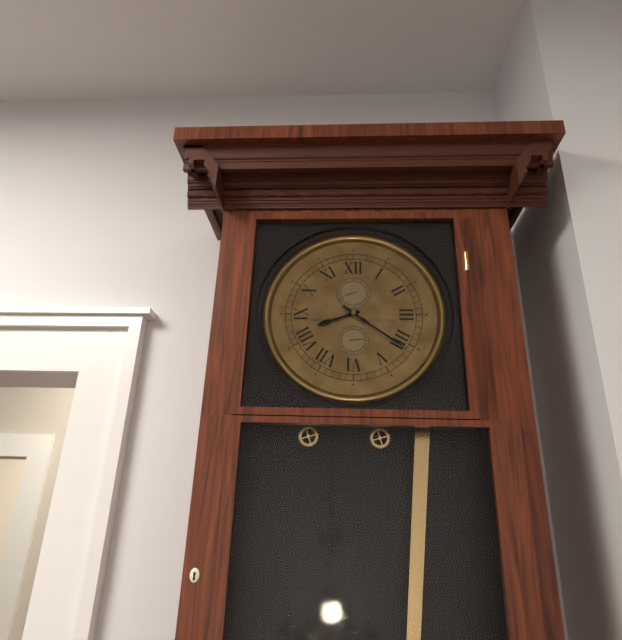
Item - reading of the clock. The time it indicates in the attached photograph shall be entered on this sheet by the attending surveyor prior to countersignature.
8:21
